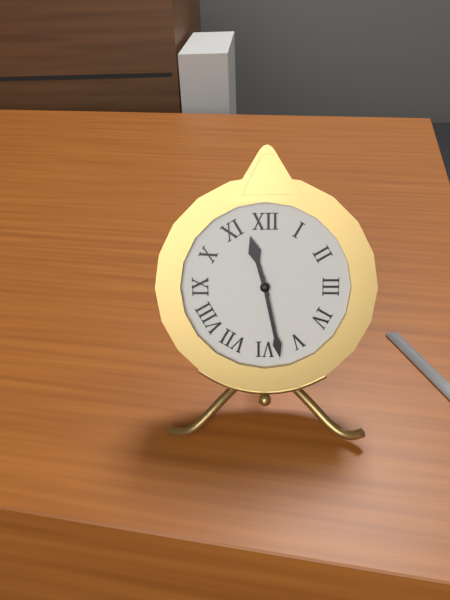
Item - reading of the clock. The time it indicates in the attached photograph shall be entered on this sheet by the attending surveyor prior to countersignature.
11:28
